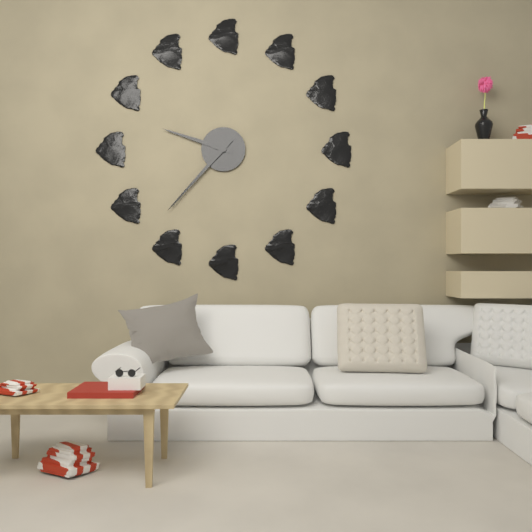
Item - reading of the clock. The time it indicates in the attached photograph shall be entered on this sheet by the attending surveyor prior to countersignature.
9:37
